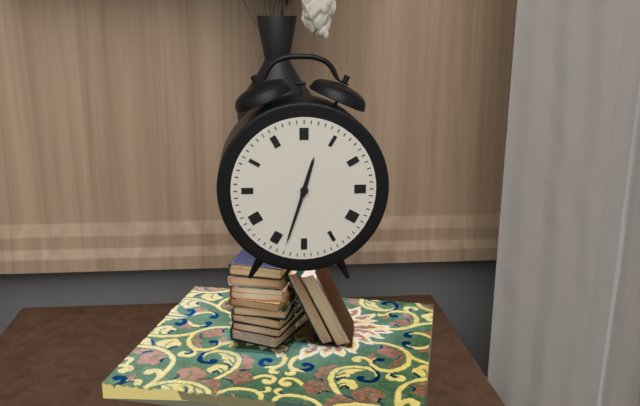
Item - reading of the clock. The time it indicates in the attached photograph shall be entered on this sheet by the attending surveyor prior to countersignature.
12:33
